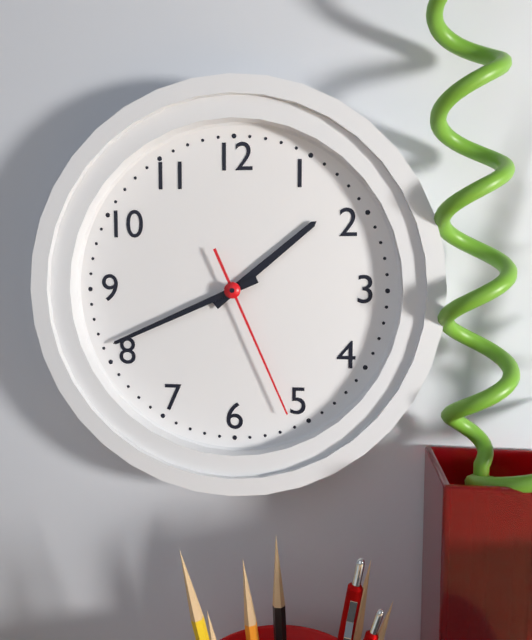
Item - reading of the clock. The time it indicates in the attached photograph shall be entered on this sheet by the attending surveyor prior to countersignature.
1:41:26
